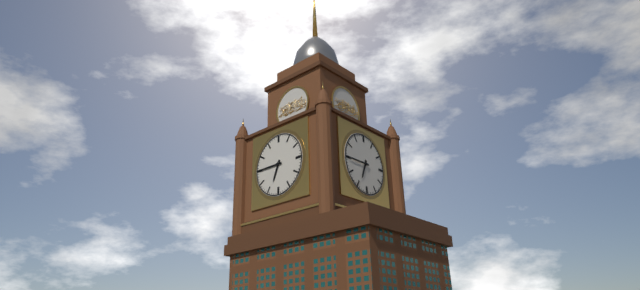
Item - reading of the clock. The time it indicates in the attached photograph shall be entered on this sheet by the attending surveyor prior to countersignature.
6:45
